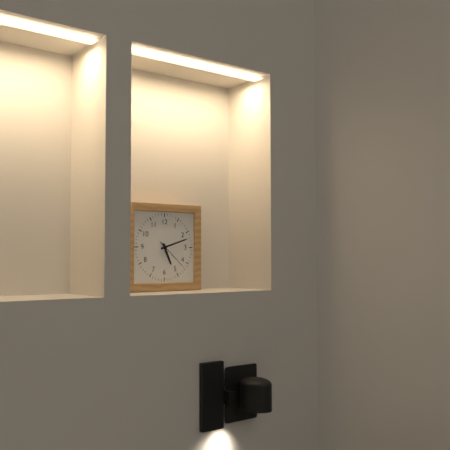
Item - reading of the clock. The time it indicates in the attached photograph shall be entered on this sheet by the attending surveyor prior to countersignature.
5:12
